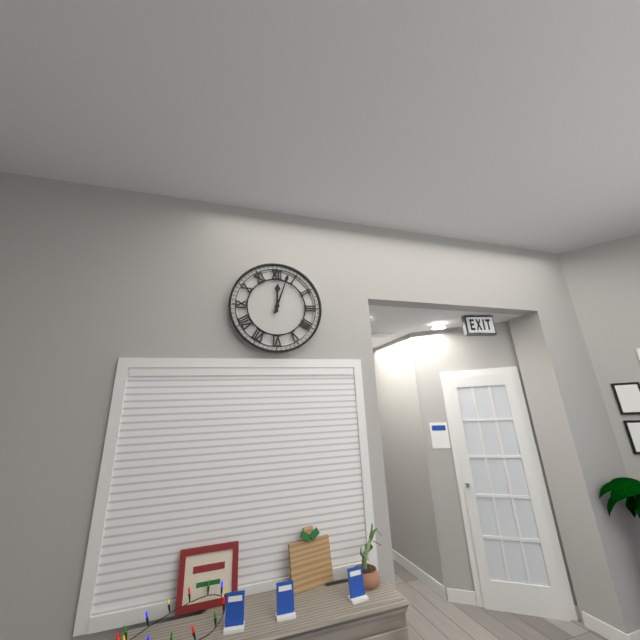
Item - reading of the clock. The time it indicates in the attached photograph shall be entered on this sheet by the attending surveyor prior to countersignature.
12:03
